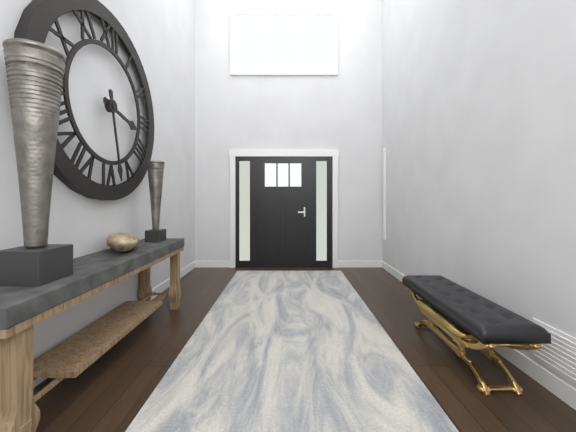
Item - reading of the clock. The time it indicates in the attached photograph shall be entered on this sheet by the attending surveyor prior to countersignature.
3:28
